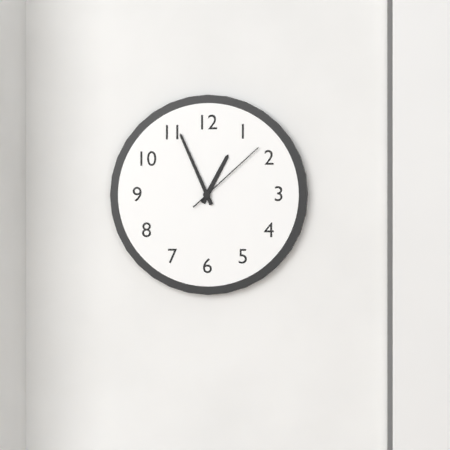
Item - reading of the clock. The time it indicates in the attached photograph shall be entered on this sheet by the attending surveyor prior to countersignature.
12:56:08
